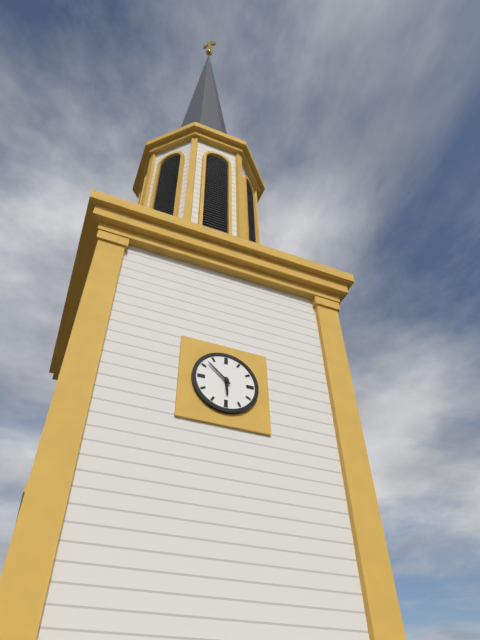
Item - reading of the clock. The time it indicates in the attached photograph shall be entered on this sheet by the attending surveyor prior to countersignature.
5:52
